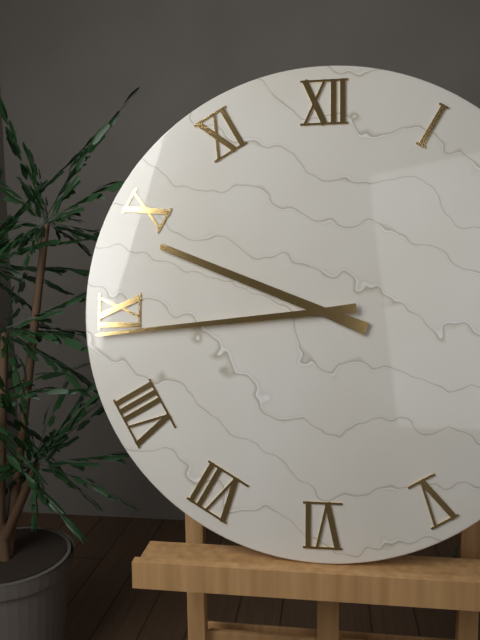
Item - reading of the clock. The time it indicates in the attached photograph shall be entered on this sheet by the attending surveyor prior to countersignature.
9:44
